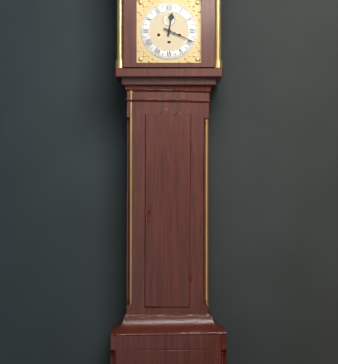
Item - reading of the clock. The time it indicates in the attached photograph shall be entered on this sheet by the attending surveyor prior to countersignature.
12:19
